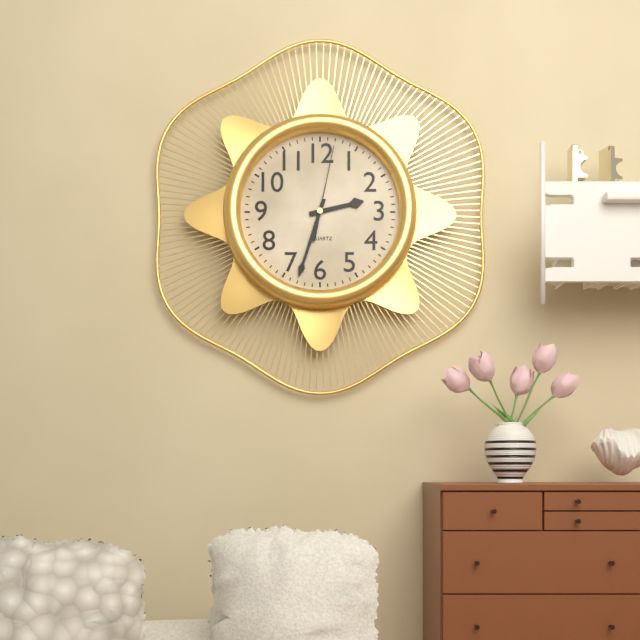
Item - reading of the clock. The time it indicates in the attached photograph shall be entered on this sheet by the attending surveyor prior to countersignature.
2:33:02
